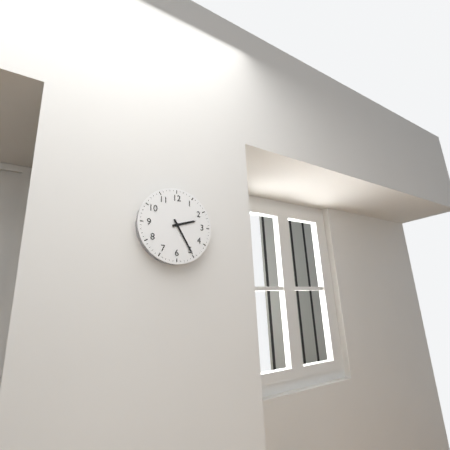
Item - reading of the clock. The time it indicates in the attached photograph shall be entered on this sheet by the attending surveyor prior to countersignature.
2:25
